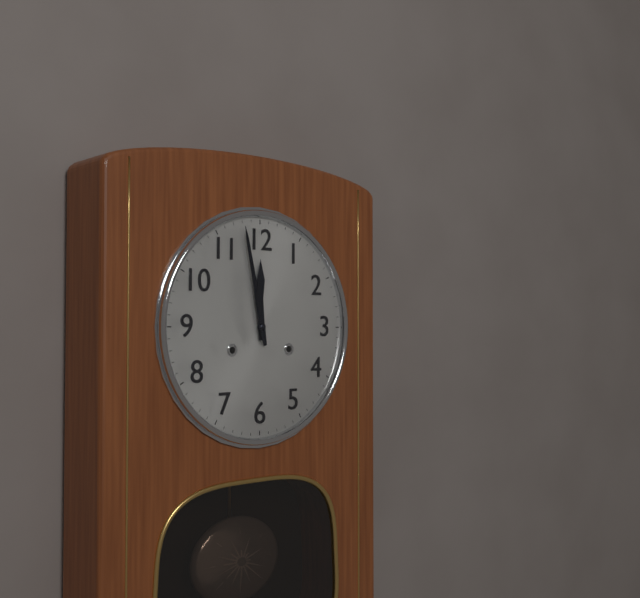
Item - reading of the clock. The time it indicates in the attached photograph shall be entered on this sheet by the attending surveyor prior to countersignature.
11:58
